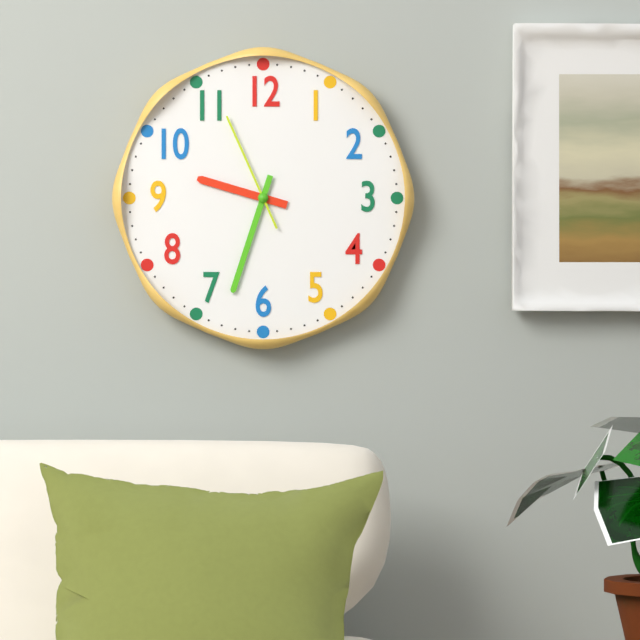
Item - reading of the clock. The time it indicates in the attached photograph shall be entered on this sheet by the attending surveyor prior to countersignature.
9:33:56
